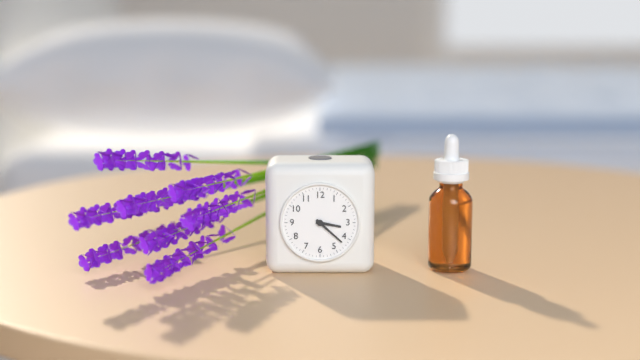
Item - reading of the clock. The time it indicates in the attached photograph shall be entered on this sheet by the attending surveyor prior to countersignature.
3:22
